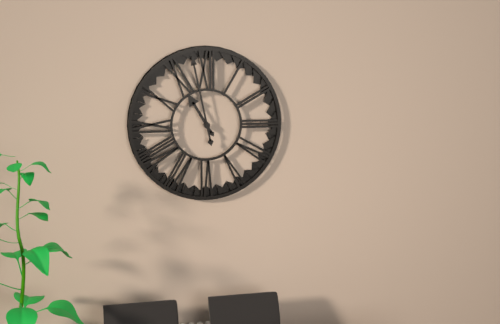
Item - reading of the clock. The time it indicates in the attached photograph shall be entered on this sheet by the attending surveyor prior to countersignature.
10:58
